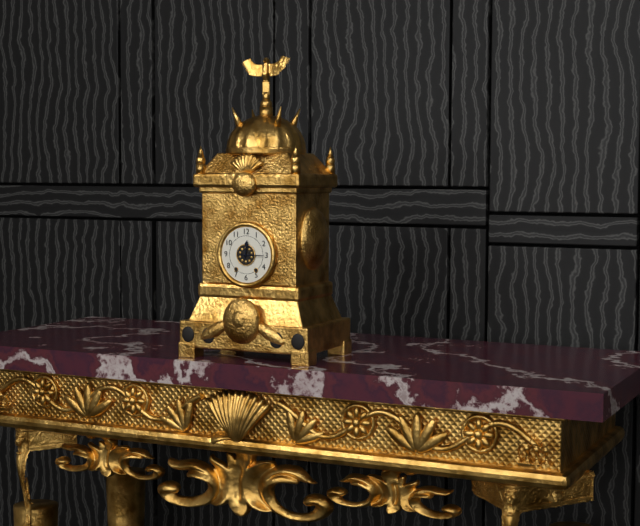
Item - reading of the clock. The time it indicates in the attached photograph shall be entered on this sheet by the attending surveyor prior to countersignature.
12:15
